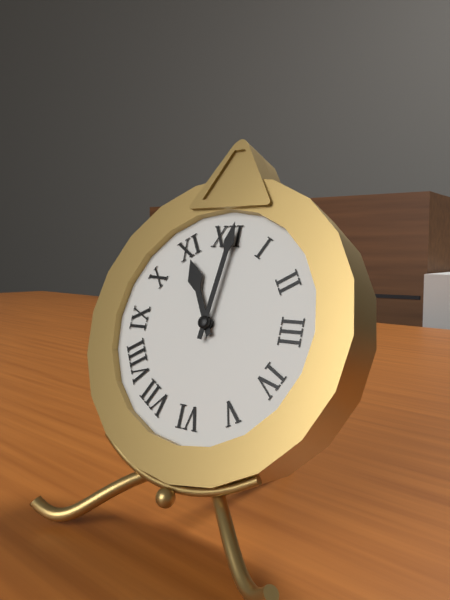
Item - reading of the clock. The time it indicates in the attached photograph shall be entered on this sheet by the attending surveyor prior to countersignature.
11:01
